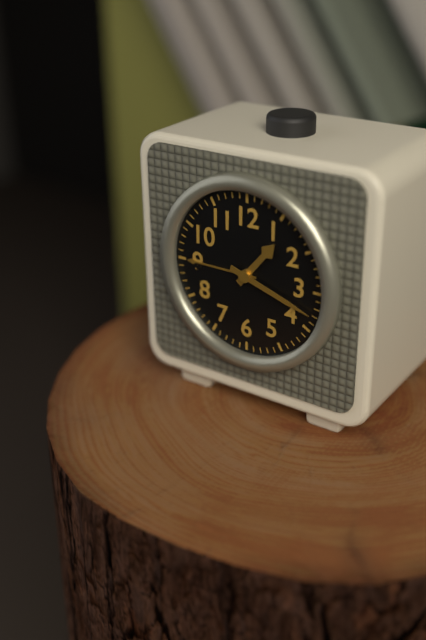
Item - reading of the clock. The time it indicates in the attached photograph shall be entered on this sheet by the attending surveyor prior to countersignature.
1:18
